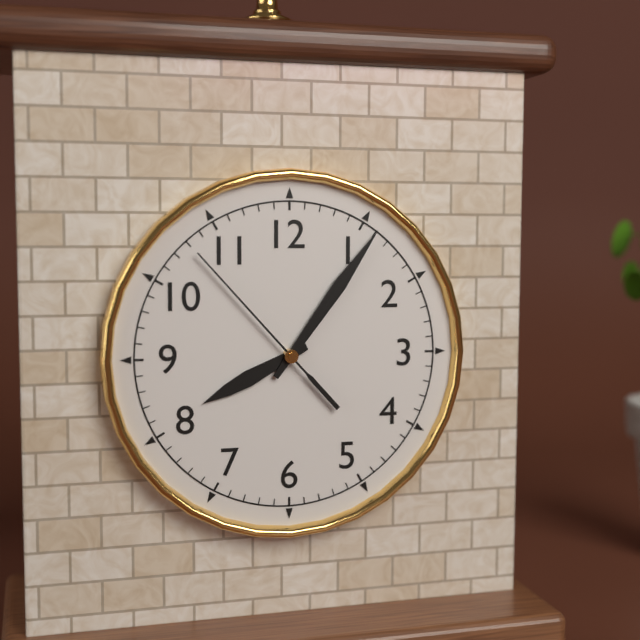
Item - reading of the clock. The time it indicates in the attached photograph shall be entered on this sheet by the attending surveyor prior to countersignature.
8:06:53
